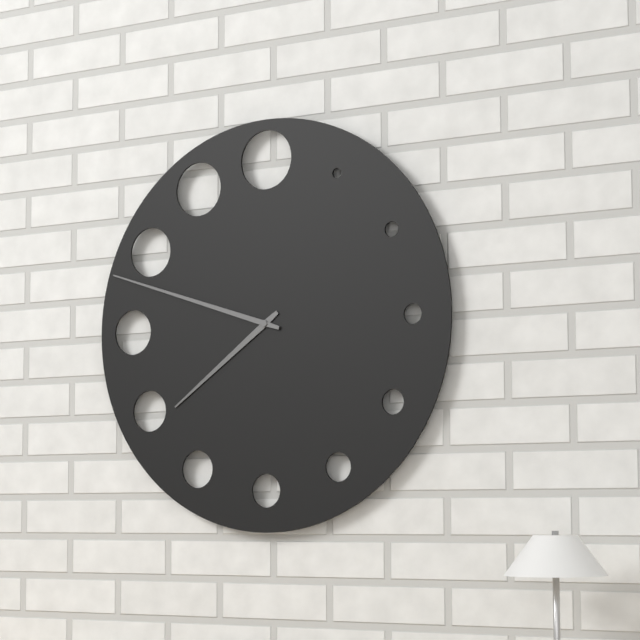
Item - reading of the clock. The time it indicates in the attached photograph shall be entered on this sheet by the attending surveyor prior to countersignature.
7:48
